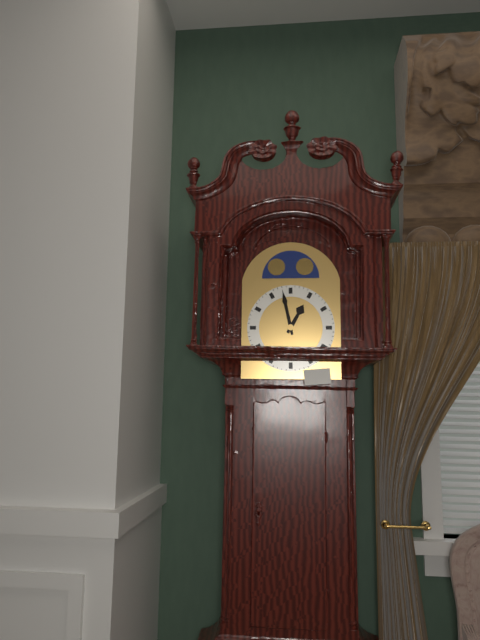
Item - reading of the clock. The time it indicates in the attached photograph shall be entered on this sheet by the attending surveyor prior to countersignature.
12:58
